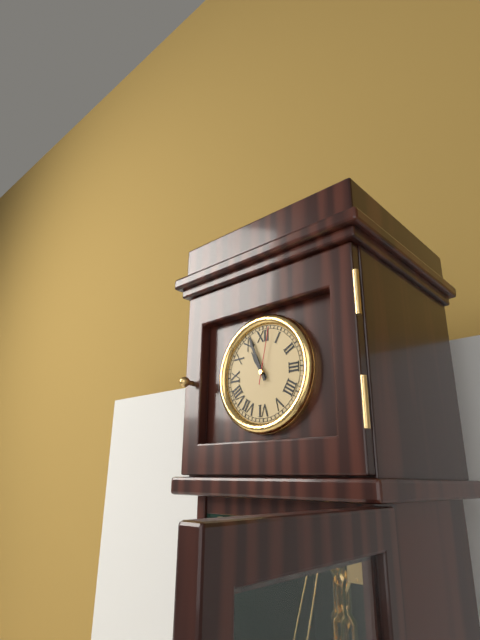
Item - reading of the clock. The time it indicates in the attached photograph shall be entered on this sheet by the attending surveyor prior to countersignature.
10:56:02
